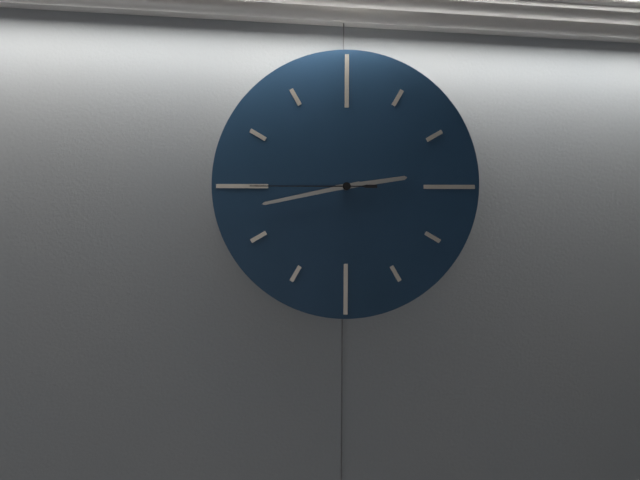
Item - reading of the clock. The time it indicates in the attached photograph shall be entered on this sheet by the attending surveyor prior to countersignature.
2:43:45
